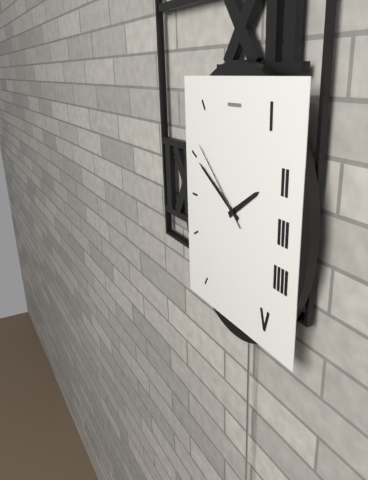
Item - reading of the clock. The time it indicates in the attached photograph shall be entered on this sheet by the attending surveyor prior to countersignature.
1:50:52
